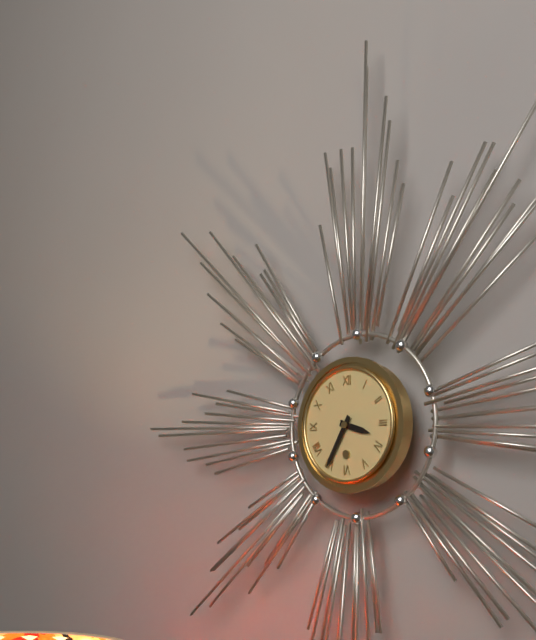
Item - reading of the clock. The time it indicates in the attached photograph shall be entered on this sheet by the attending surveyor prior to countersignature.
3:35
